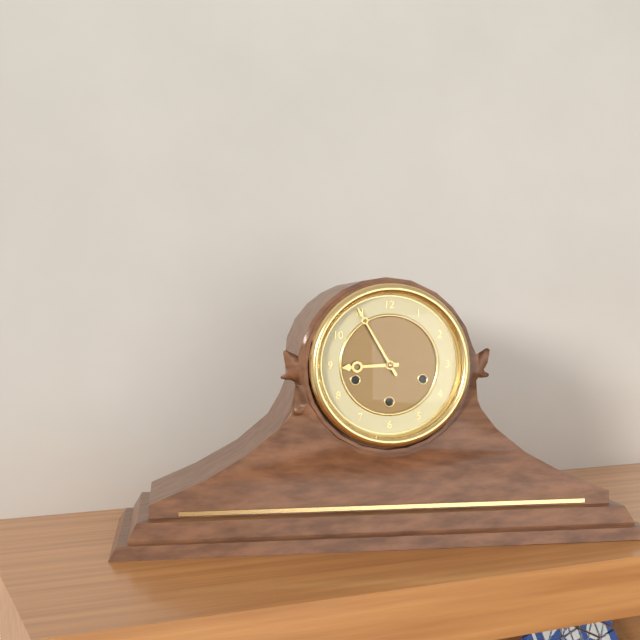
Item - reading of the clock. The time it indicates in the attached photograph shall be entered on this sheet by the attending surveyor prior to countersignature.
8:55
